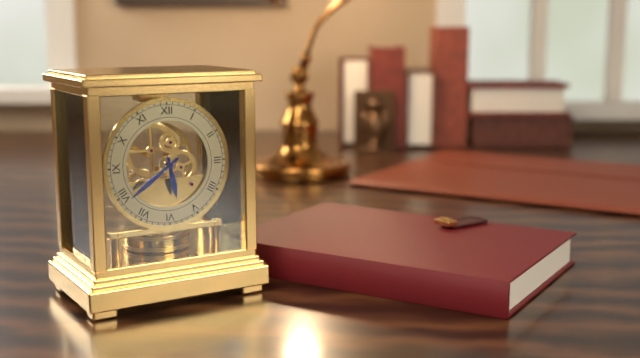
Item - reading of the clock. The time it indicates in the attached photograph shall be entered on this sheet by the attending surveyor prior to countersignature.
5:39
